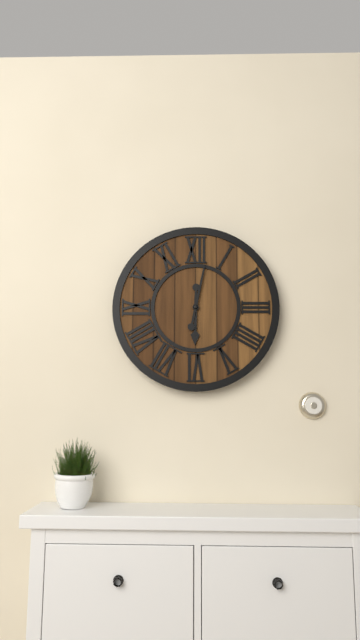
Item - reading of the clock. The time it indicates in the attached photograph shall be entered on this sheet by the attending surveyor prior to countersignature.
6:02
